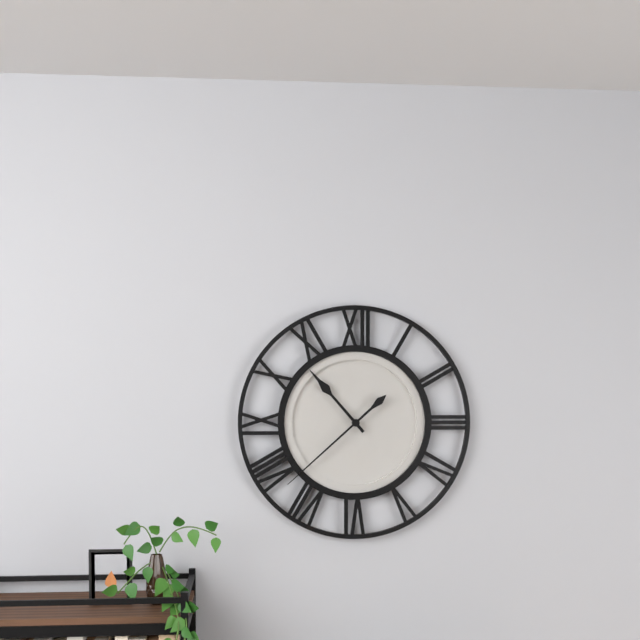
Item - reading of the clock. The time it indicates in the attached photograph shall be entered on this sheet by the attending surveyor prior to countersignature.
10:38
